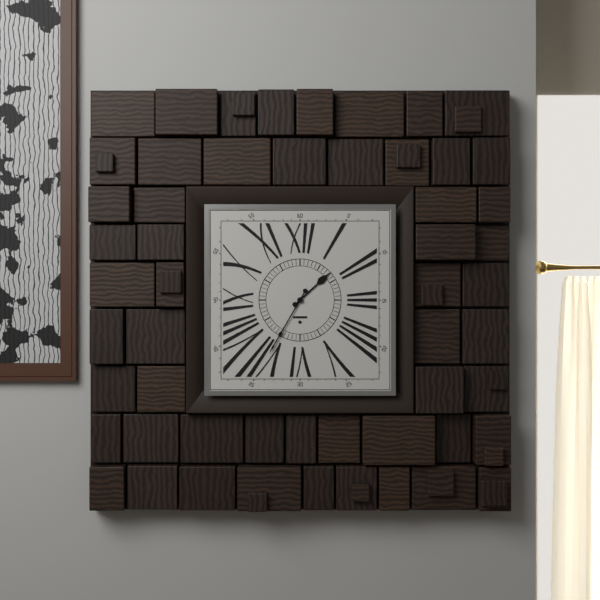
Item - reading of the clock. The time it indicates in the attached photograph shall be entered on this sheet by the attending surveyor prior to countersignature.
1:35
